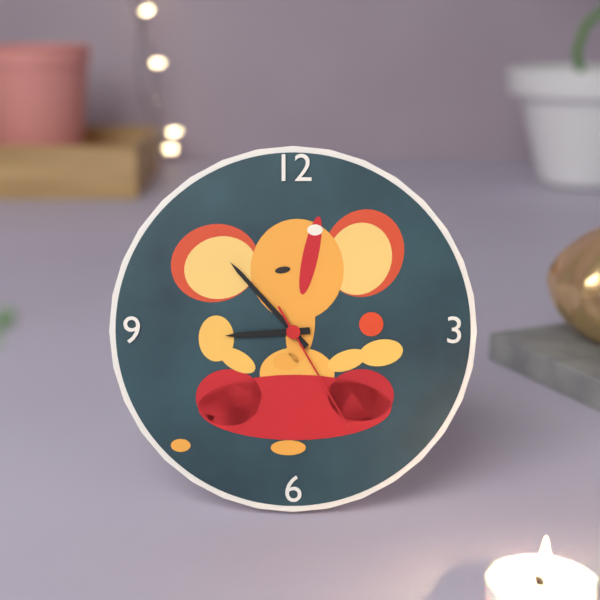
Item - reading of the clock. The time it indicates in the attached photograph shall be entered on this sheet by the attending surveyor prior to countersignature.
8:53:25
